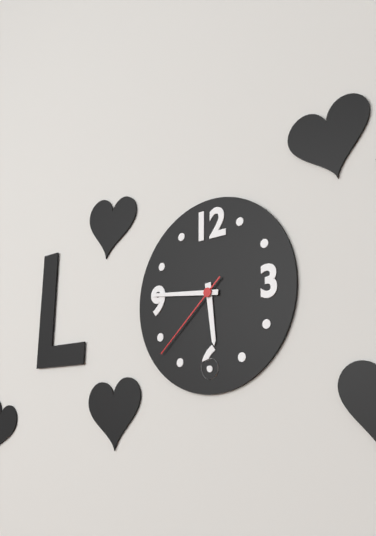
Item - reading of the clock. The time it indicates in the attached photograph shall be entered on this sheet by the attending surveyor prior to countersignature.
5:46:38
